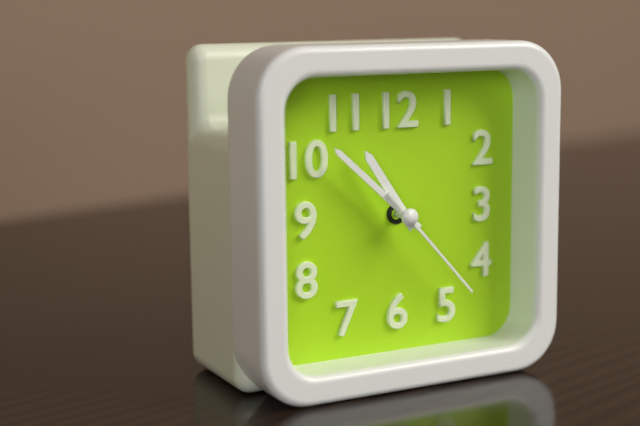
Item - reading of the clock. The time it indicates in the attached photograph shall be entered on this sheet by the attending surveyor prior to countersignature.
10:52:23
